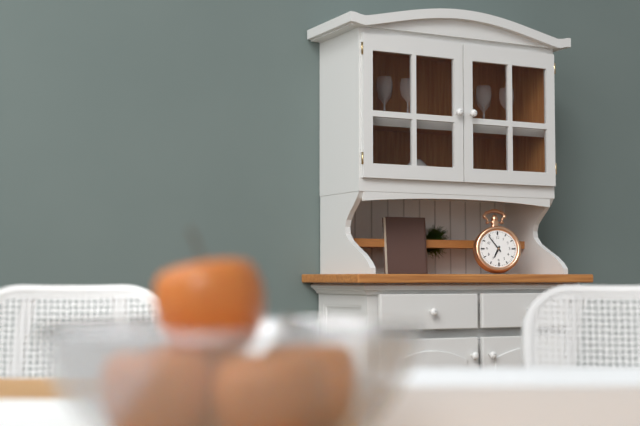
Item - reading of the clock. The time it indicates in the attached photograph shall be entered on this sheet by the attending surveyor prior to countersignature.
6:54
